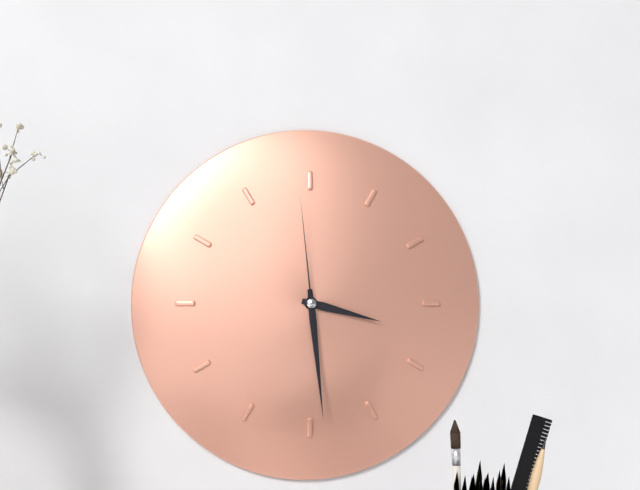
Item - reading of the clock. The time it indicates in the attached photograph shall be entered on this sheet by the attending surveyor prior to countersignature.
3:29:59
